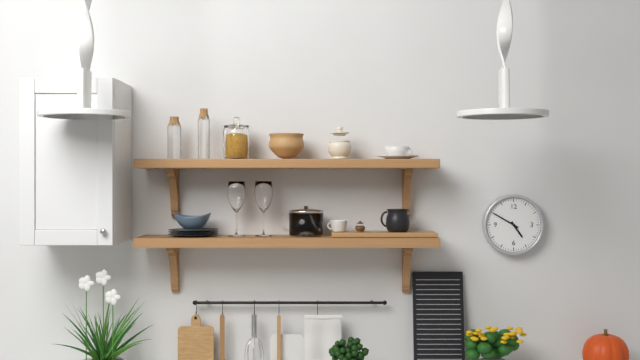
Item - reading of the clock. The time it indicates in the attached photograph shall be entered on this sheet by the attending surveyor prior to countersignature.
4:50
